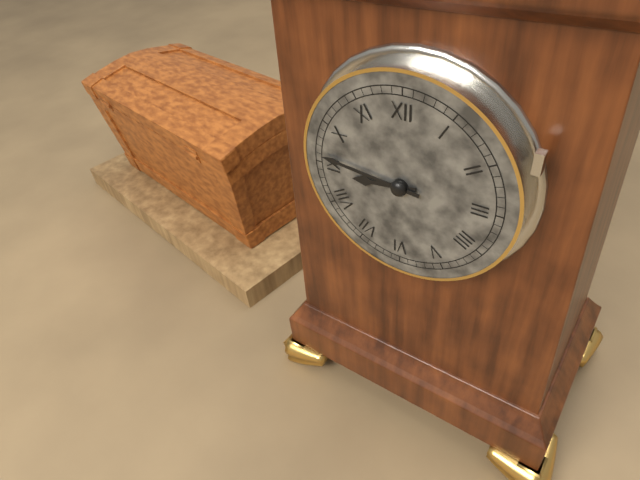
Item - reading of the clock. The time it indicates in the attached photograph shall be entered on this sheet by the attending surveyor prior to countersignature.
8:46
